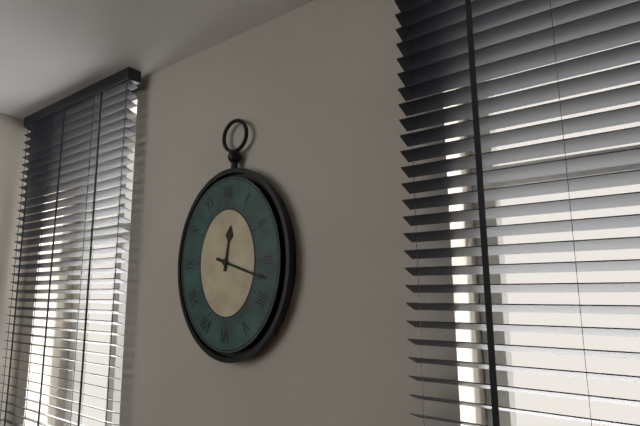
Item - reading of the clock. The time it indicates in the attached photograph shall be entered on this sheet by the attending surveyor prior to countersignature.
12:18
